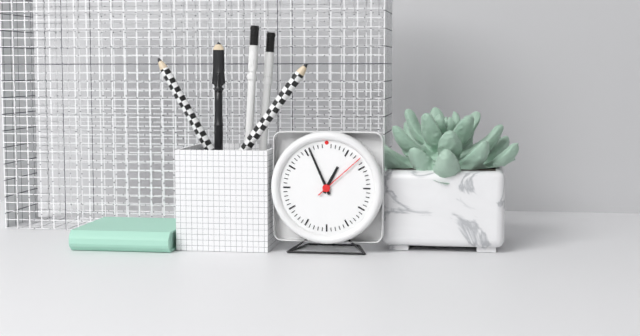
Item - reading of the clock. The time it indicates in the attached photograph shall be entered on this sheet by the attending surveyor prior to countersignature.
12:56:08
